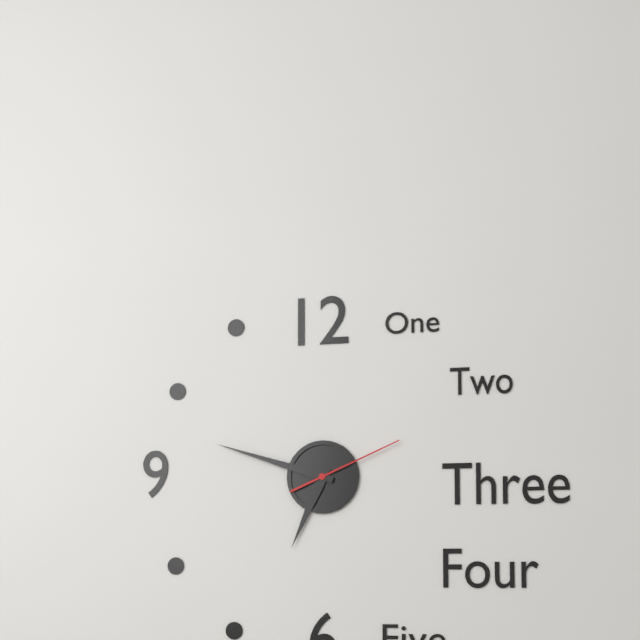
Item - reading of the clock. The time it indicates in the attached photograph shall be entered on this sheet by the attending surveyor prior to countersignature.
6:48:11
